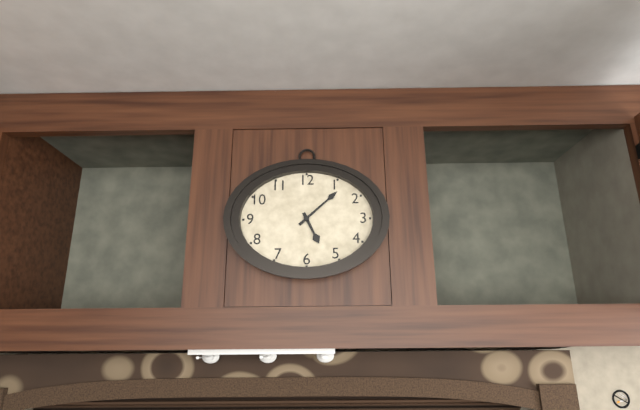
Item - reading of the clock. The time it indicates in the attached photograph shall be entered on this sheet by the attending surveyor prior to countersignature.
5:08
